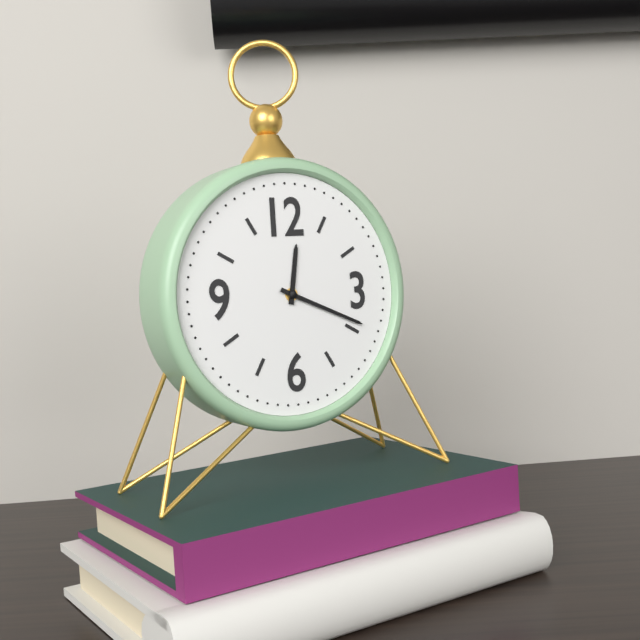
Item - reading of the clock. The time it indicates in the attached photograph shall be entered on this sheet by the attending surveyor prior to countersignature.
12:19
